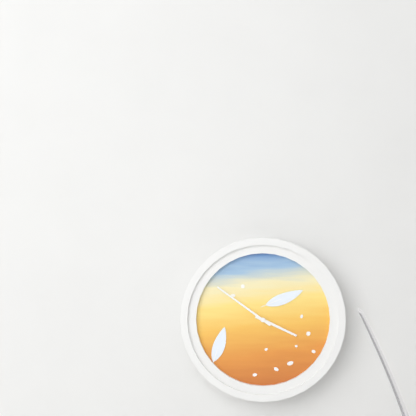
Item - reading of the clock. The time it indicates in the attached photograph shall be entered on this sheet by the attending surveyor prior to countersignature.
3:51
